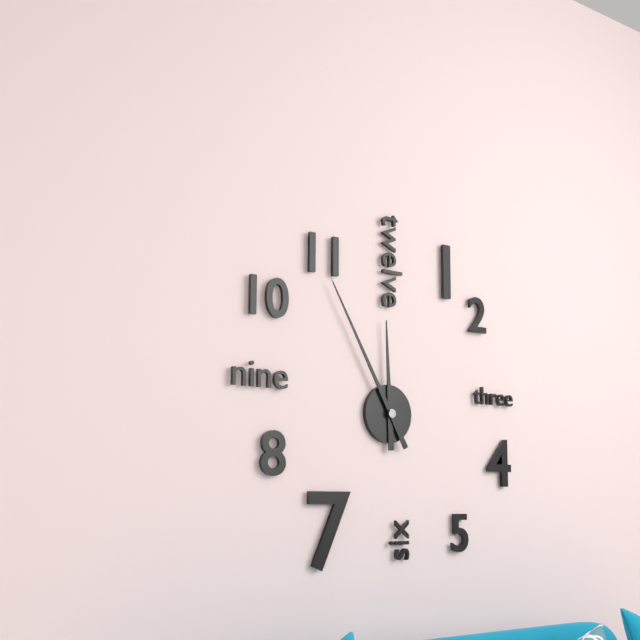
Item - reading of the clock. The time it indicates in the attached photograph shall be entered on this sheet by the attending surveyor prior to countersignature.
11:55
